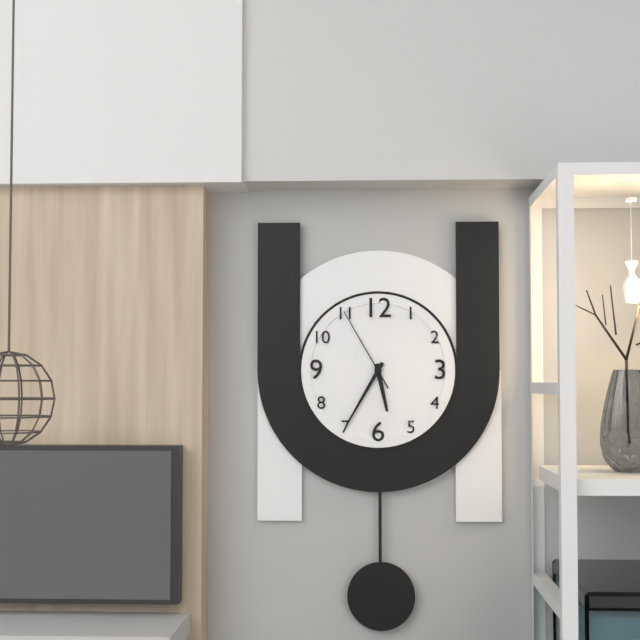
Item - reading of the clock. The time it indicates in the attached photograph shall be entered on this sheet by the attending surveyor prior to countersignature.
5:35:55
